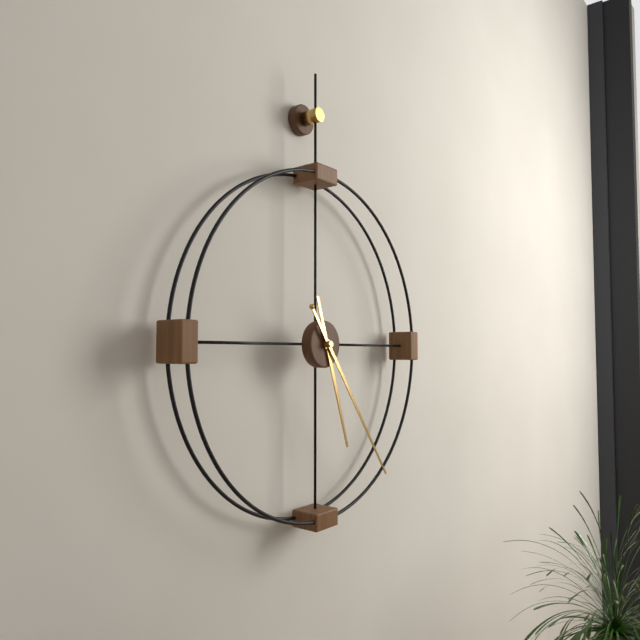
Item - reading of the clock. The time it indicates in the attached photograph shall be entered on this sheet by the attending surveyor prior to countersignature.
5:24
